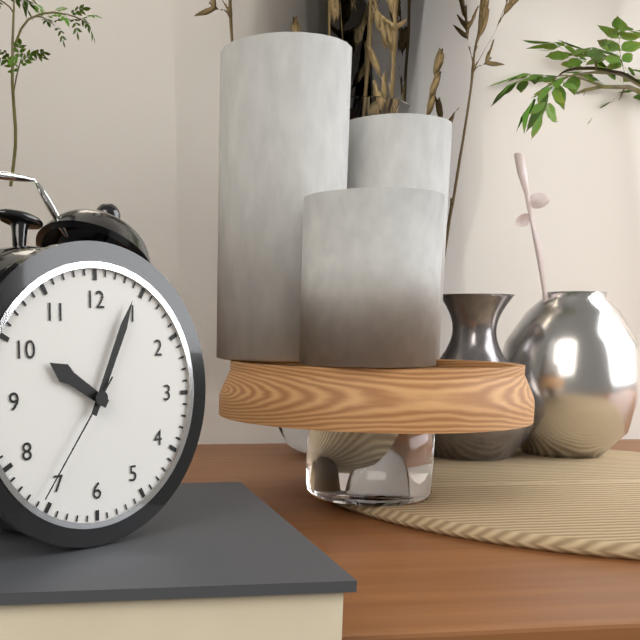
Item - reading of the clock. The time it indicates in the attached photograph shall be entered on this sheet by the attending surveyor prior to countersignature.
10:04:36
